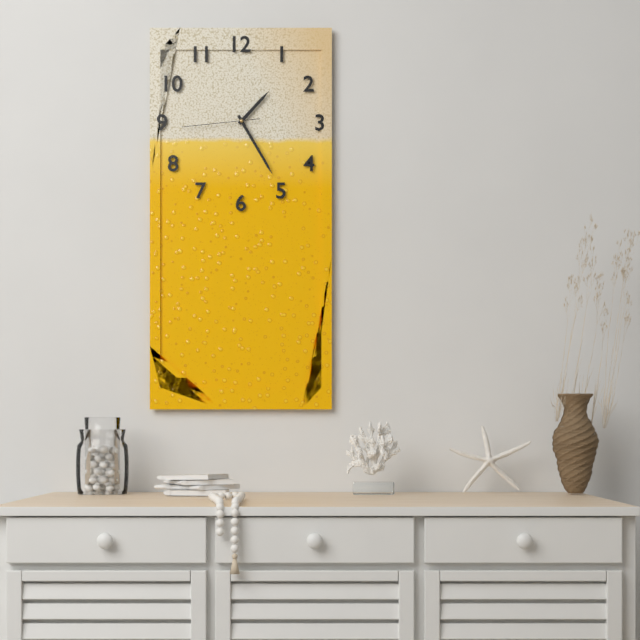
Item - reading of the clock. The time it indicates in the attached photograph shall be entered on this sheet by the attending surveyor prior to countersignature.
1:25:44
